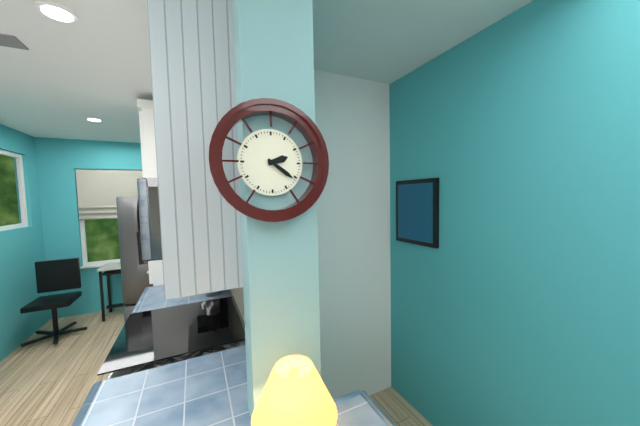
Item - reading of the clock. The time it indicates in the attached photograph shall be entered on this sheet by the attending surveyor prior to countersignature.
2:21
